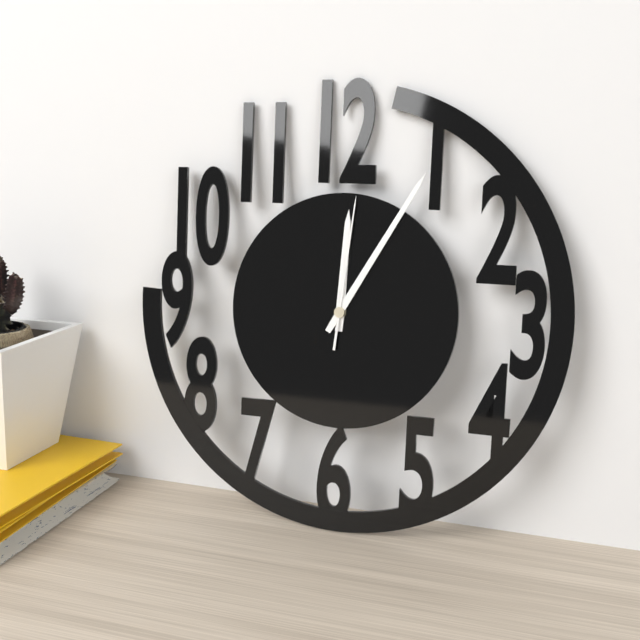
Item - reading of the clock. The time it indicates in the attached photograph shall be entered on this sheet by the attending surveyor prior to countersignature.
12:05:01
